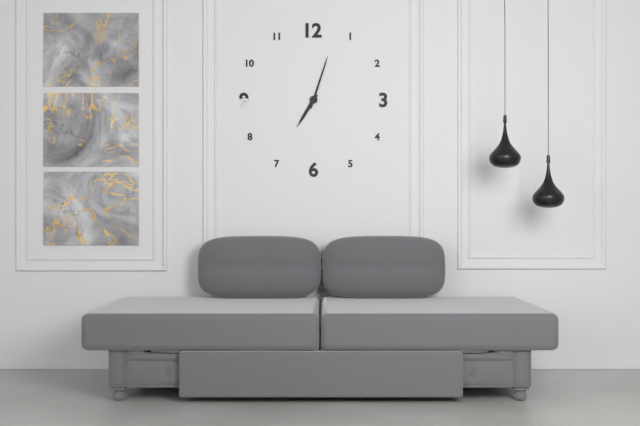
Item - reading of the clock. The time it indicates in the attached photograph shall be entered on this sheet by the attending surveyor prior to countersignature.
7:03
